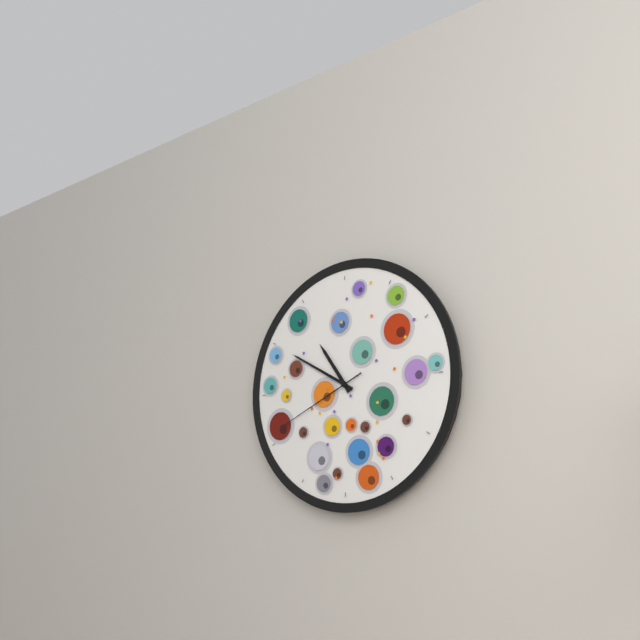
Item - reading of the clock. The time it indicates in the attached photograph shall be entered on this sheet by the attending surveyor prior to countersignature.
10:50:41
